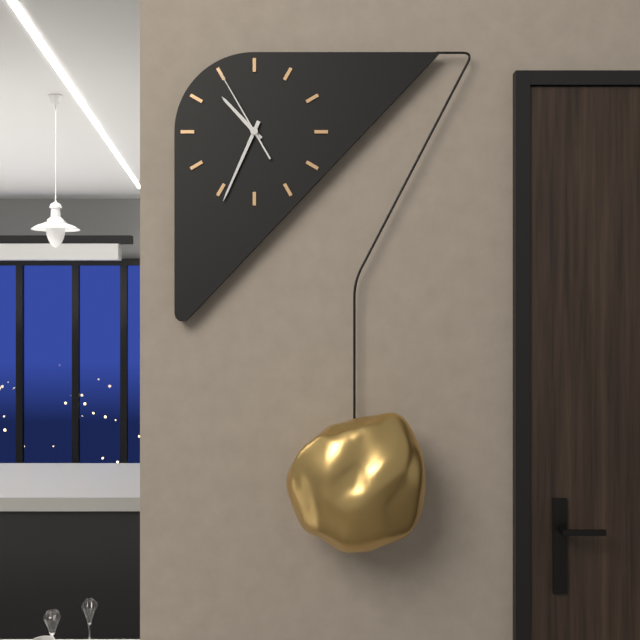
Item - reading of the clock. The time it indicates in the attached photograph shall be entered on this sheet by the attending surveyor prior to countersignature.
10:34:55
